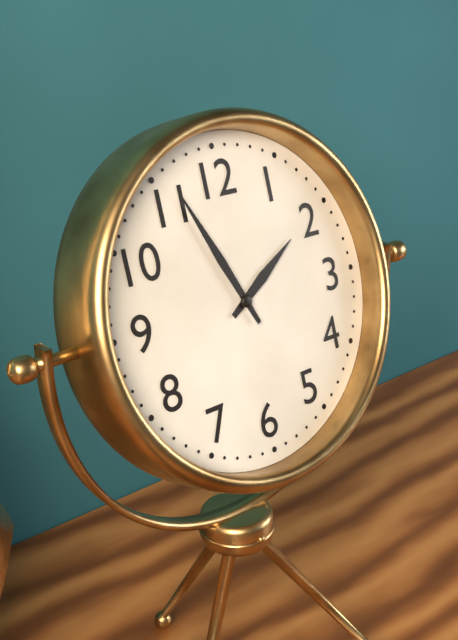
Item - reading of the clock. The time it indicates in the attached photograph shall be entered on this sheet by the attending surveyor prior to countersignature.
1:56
